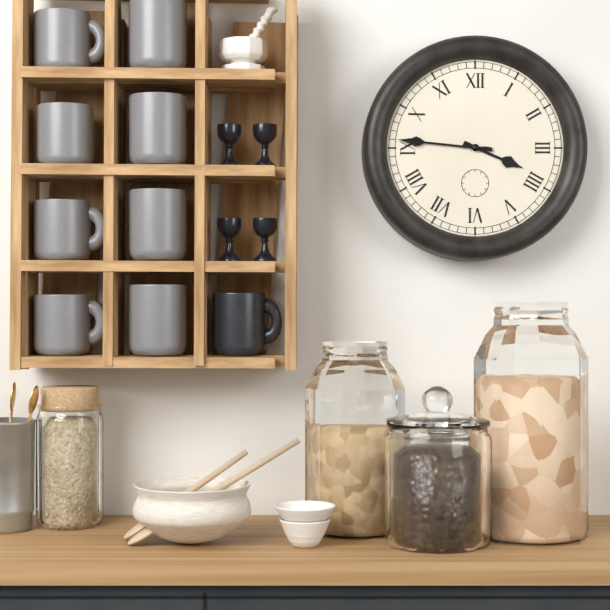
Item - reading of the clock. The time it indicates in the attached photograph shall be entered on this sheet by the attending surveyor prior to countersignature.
3:46
